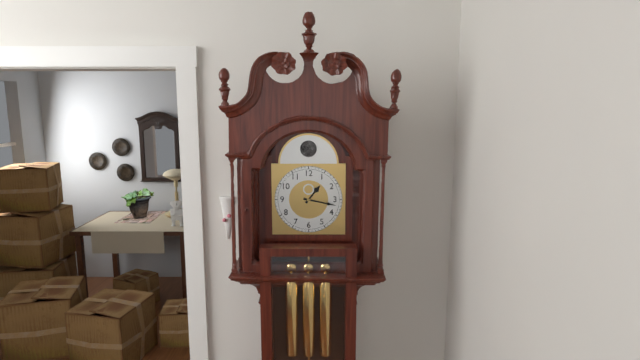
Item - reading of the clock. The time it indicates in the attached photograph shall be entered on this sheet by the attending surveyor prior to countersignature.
1:17
